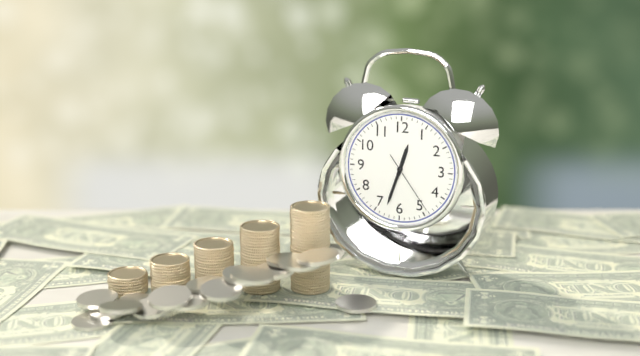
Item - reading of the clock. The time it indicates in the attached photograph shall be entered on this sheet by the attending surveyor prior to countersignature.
12:33:24
